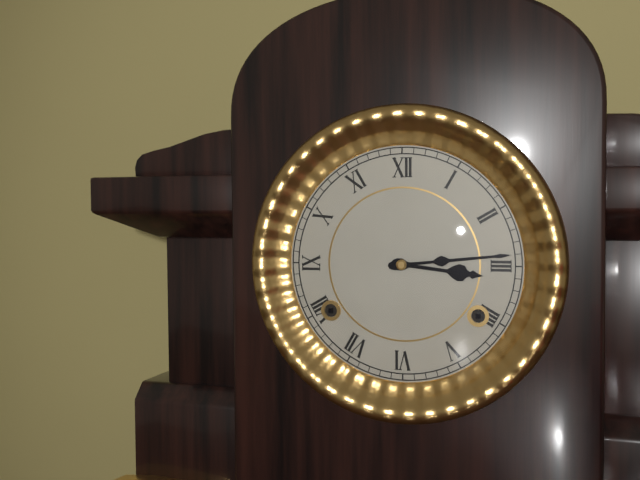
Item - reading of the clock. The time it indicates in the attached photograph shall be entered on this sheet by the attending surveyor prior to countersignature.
3:14
